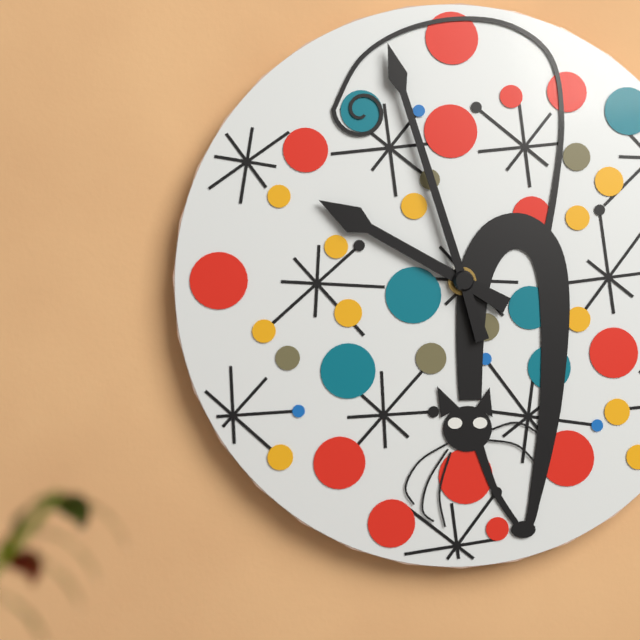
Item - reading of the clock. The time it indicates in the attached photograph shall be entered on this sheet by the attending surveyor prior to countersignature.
9:57
